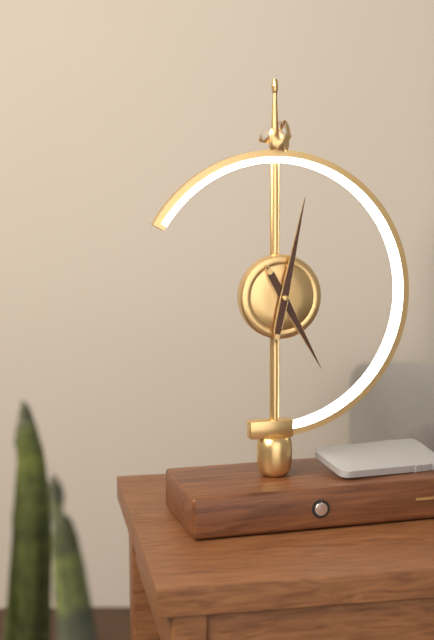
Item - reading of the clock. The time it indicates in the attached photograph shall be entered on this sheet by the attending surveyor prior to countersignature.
5:02
